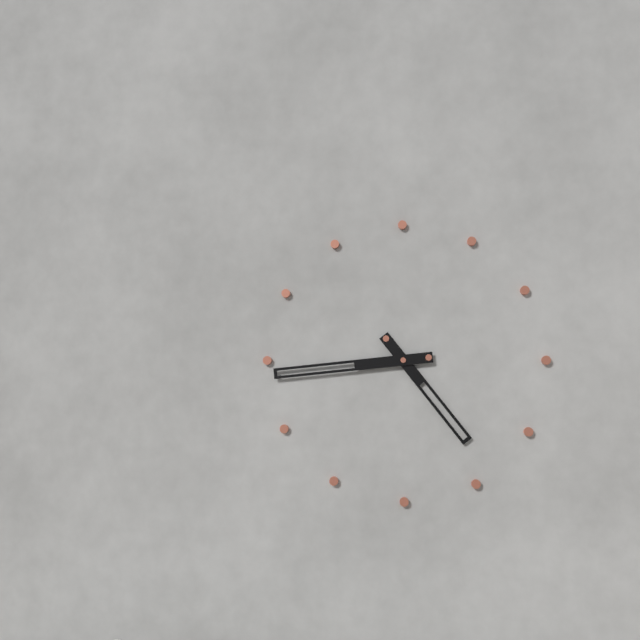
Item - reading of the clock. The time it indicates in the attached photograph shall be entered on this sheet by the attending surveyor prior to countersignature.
4:44
